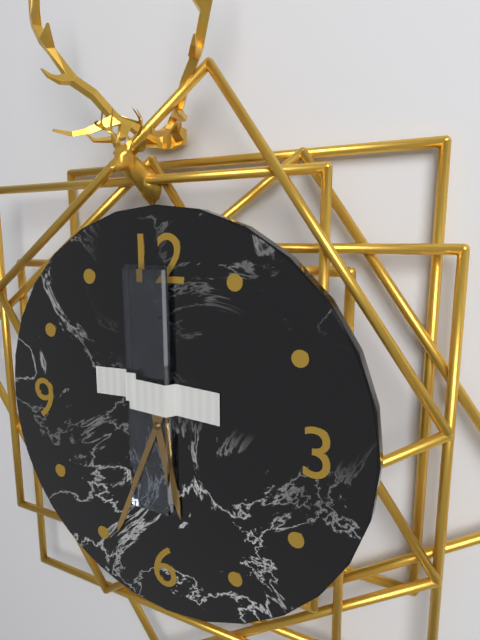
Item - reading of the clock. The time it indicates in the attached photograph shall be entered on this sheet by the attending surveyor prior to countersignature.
5:34
